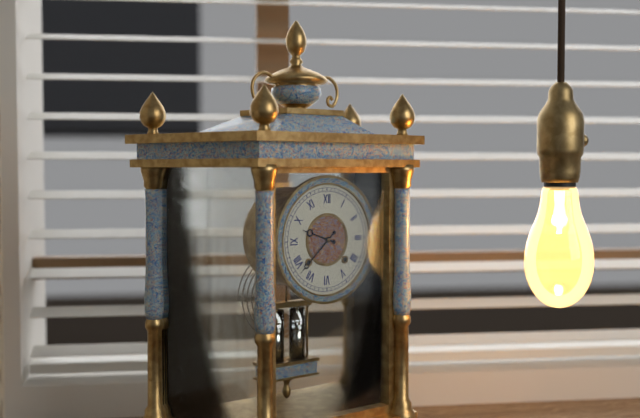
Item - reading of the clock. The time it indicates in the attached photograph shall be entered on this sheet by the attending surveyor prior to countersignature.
9:38
